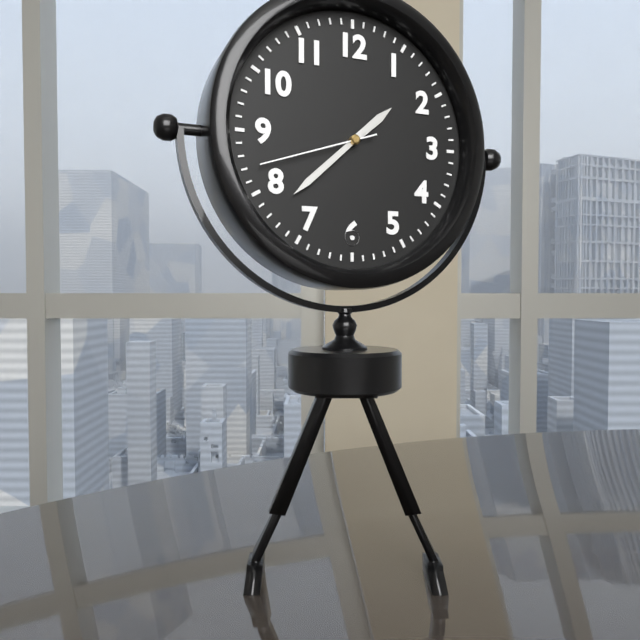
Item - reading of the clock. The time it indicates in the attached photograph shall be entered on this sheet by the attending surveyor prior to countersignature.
1:38:42
